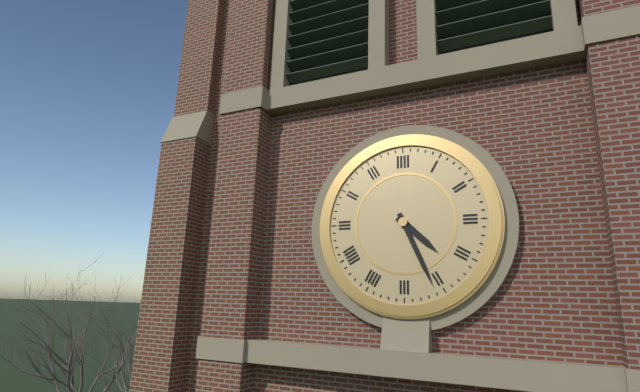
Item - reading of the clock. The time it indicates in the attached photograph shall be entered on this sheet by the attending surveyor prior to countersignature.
4:26
